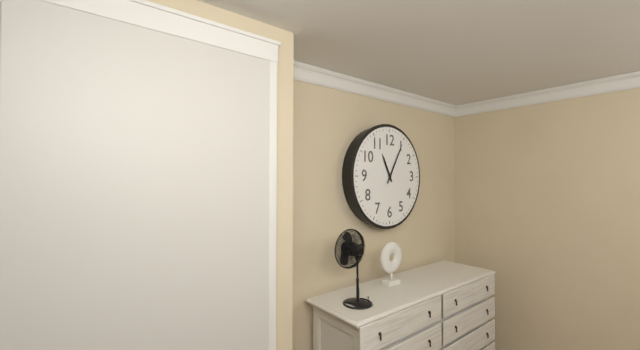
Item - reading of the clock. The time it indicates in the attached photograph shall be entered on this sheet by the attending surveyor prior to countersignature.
11:05
